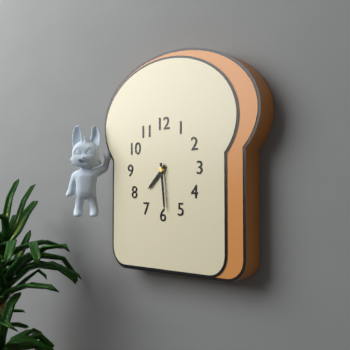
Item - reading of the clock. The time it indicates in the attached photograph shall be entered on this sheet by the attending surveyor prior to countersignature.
7:29
